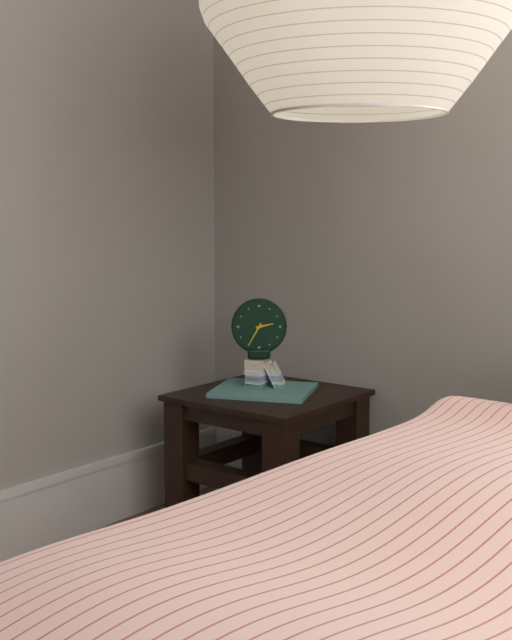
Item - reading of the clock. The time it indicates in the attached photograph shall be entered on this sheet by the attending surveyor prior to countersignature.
2:35
